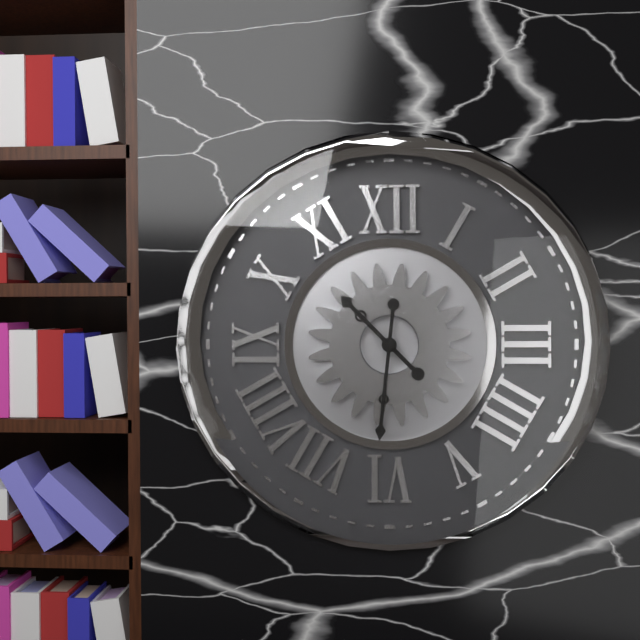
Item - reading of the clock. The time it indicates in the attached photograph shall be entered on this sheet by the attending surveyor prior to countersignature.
10:31
